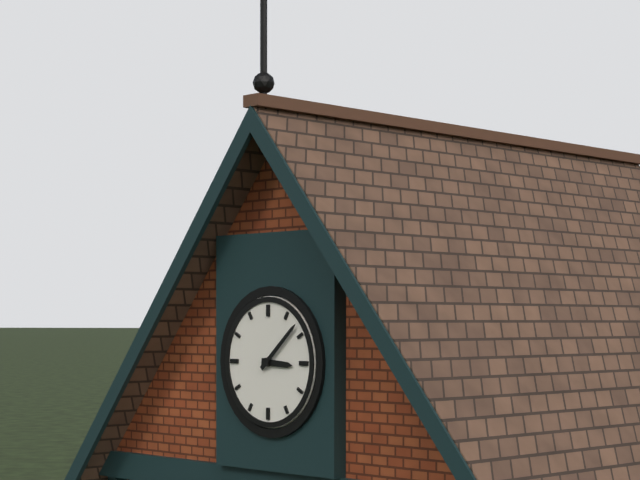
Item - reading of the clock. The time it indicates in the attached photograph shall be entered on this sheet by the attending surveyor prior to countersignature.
3:08
